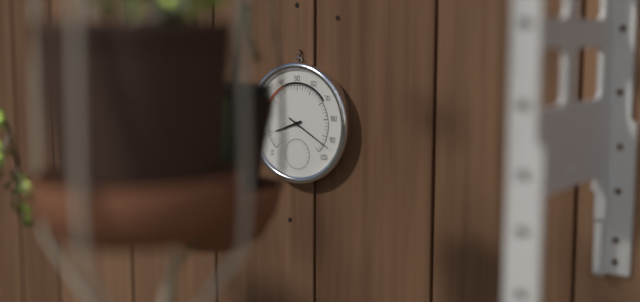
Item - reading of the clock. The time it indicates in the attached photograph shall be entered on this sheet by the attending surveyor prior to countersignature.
8:20
